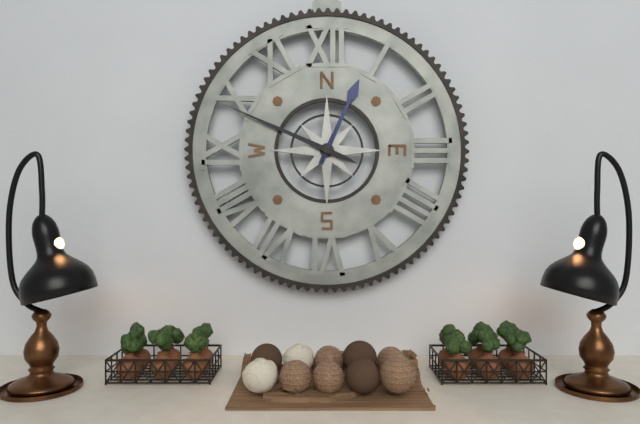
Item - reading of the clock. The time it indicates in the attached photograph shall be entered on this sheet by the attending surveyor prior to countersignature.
12:49
